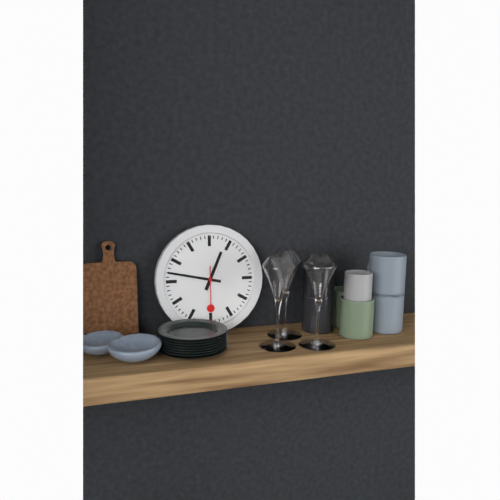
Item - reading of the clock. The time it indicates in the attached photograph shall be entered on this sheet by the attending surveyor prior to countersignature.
12:47
